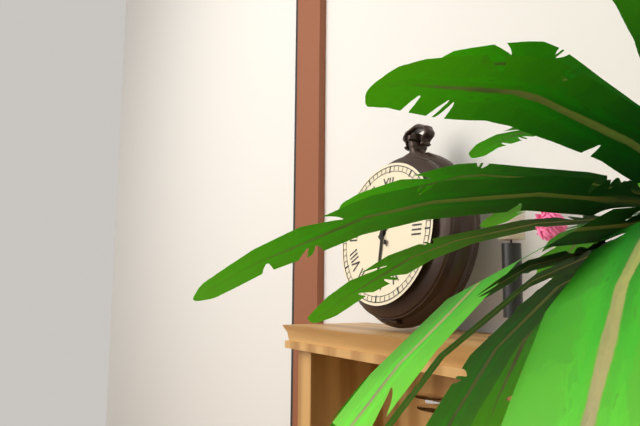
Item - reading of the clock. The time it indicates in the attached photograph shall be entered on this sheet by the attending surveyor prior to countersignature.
1:30
